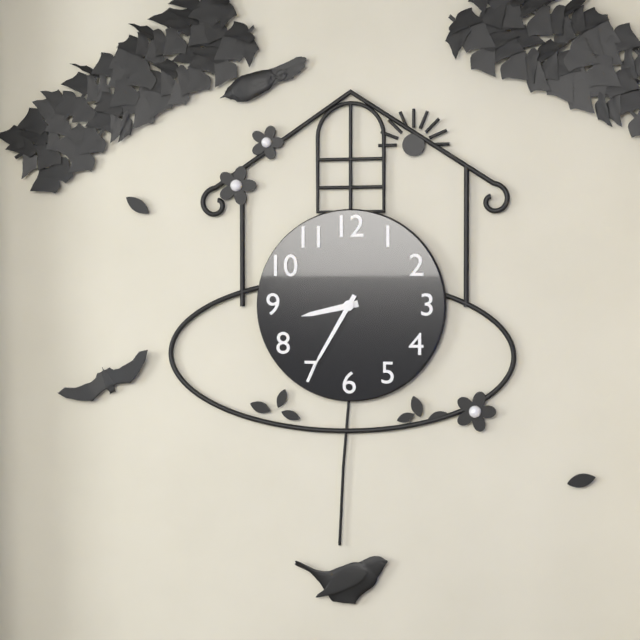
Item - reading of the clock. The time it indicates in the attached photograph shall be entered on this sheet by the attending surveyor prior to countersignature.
8:35
